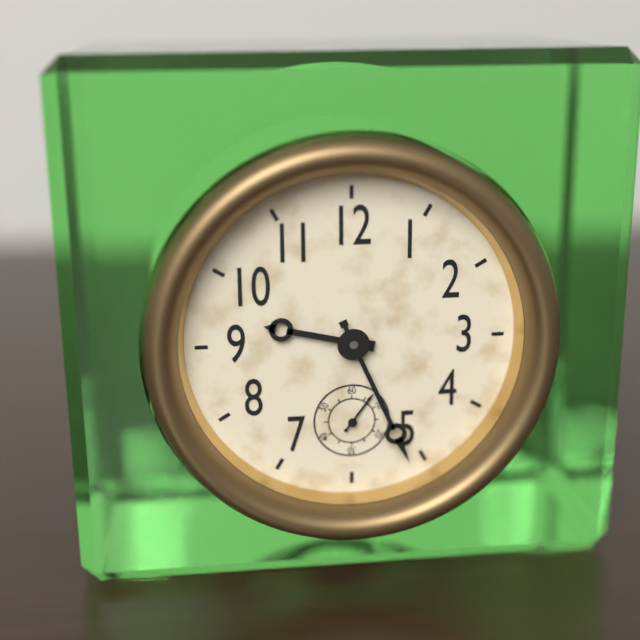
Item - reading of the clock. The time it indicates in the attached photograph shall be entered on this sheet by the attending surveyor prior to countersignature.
9:26
